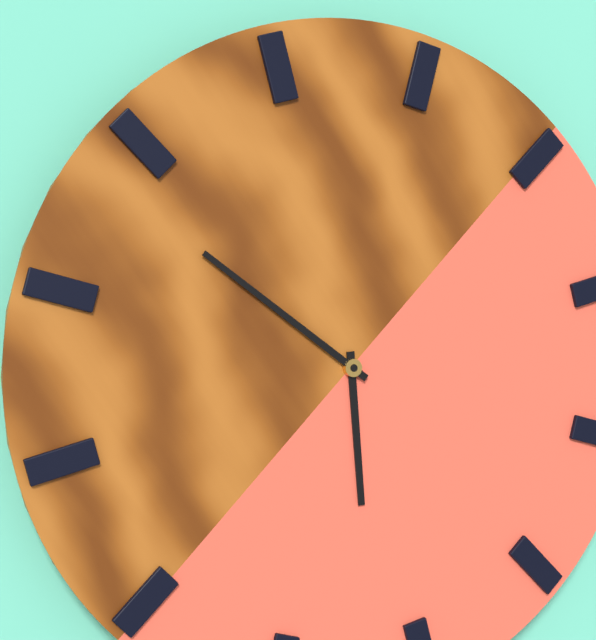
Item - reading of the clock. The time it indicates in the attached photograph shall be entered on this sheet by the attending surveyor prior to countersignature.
5:51
